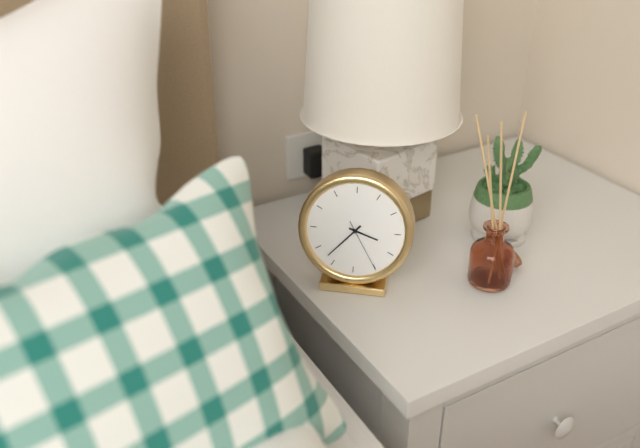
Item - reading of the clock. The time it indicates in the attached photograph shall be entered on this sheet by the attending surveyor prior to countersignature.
3:37:25
